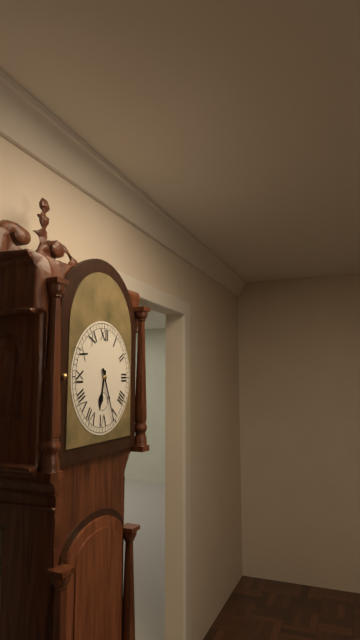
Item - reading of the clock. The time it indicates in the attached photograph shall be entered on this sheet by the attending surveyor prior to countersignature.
6:26
